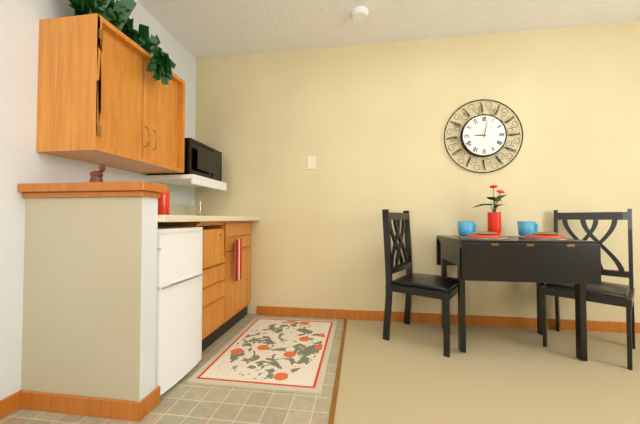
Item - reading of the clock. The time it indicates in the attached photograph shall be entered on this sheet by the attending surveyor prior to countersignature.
9:02
